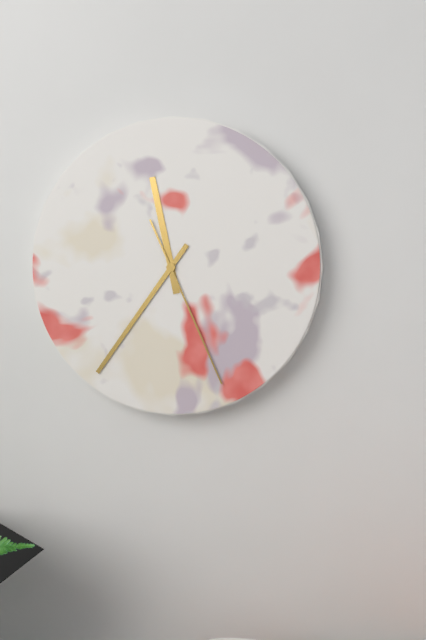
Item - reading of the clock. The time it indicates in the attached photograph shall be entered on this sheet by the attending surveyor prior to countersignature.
11:36:26
